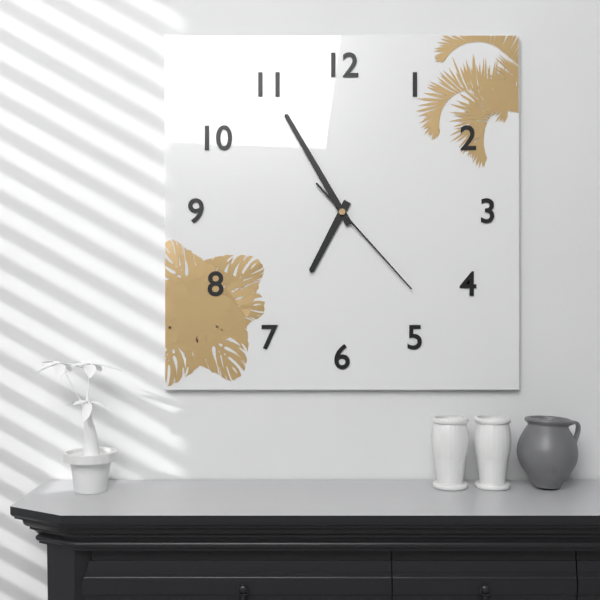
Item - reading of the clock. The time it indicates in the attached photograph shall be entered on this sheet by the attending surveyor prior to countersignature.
6:55:23
